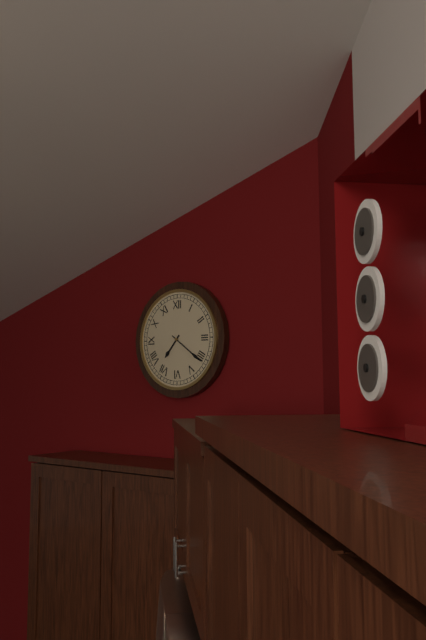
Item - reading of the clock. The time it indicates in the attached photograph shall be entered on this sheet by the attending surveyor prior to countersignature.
7:21
